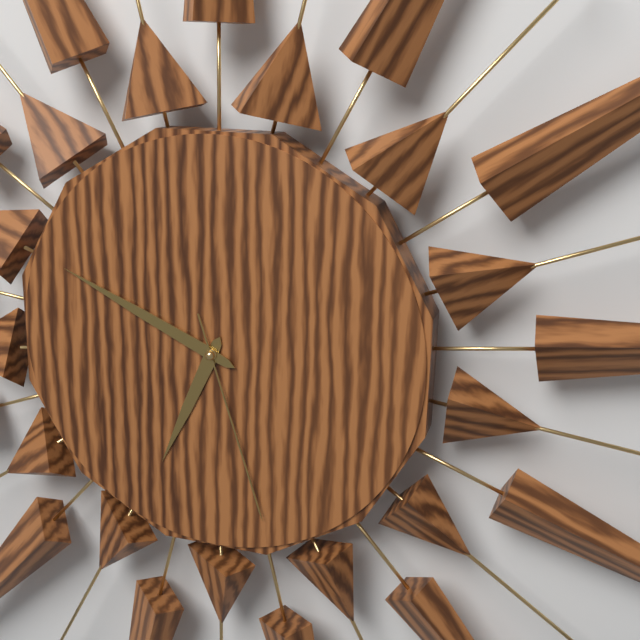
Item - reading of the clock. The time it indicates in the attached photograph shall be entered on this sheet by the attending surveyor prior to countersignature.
6:49:27
